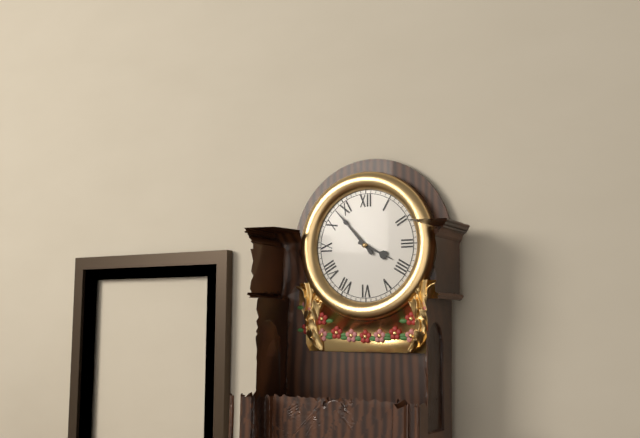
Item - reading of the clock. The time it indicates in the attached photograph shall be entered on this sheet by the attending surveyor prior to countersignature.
3:53
